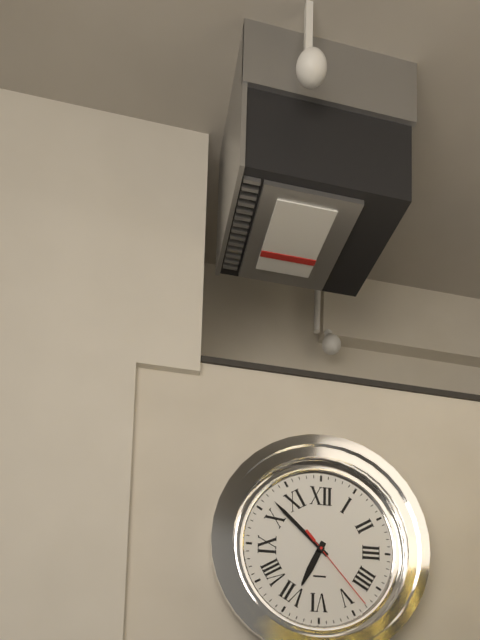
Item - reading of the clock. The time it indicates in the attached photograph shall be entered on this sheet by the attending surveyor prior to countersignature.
6:52:23
